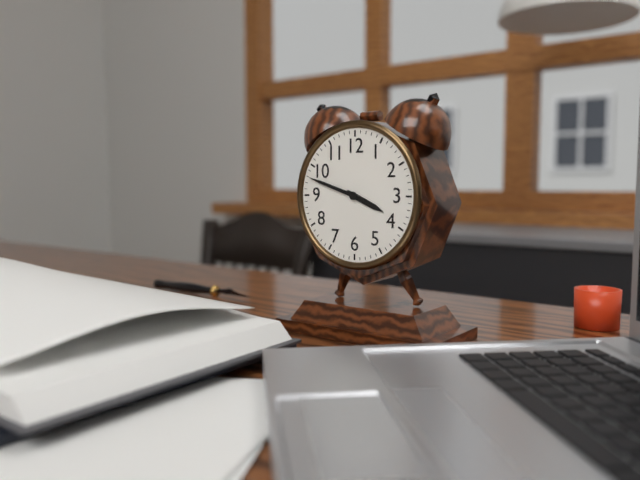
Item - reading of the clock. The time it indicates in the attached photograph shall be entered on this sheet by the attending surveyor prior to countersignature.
3:48
